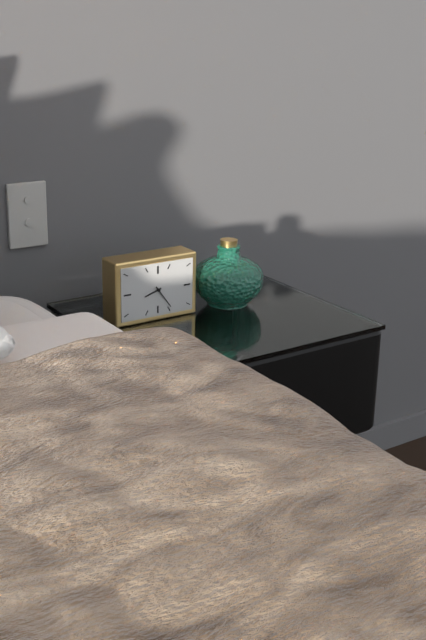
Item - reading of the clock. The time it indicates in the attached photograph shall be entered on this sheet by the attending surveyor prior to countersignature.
8:24
